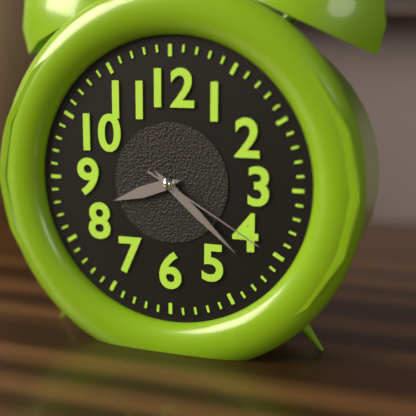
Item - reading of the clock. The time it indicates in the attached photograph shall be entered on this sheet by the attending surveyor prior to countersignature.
8:22:20
